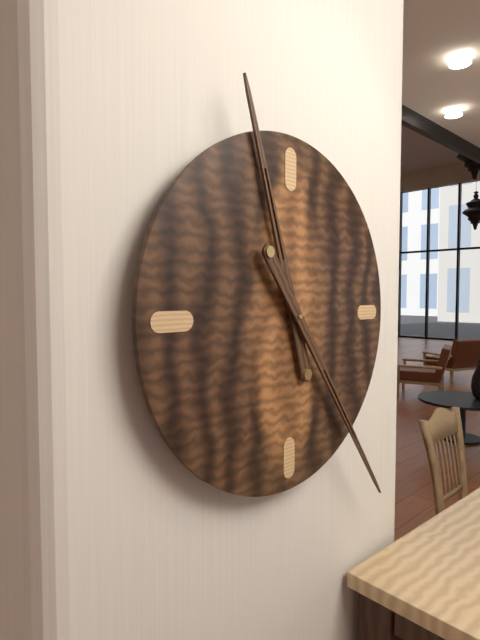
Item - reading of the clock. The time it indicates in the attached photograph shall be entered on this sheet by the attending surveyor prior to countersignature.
11:24
